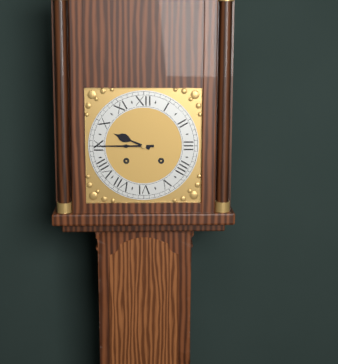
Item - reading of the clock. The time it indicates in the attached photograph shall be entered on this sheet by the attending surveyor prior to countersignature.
9:45
